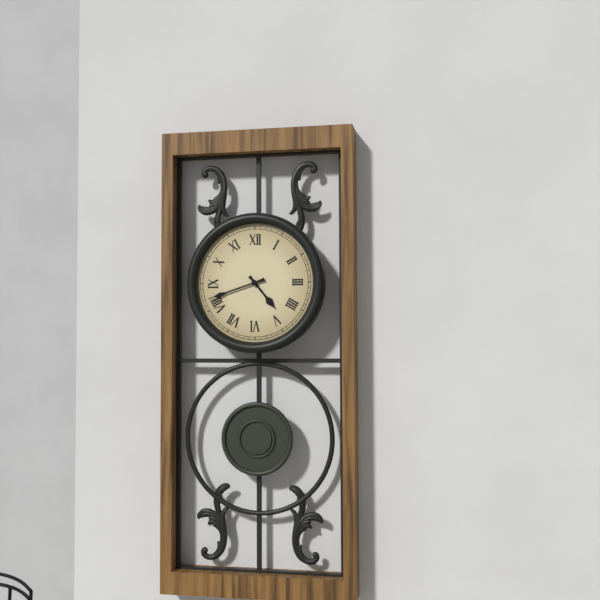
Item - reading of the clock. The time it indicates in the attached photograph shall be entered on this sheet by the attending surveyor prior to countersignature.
4:42
